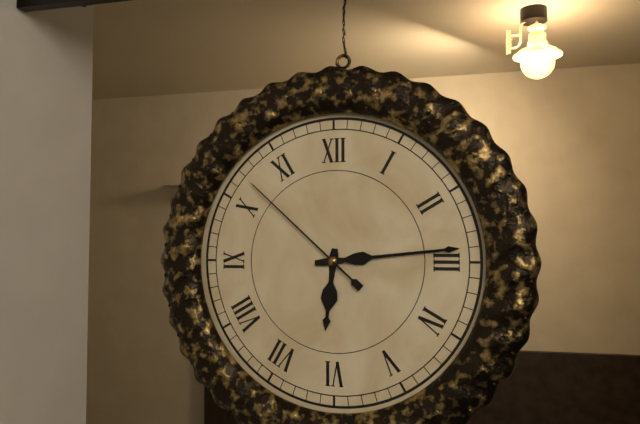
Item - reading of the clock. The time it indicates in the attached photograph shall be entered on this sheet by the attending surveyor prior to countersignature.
6:14:52
